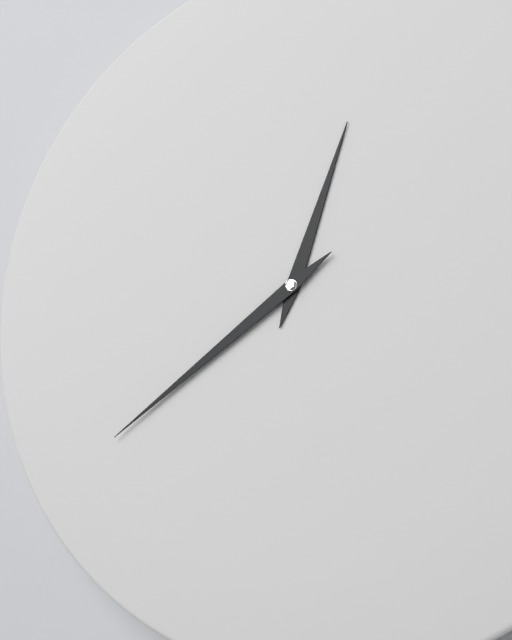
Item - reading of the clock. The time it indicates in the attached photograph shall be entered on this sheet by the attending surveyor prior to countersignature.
12:39
